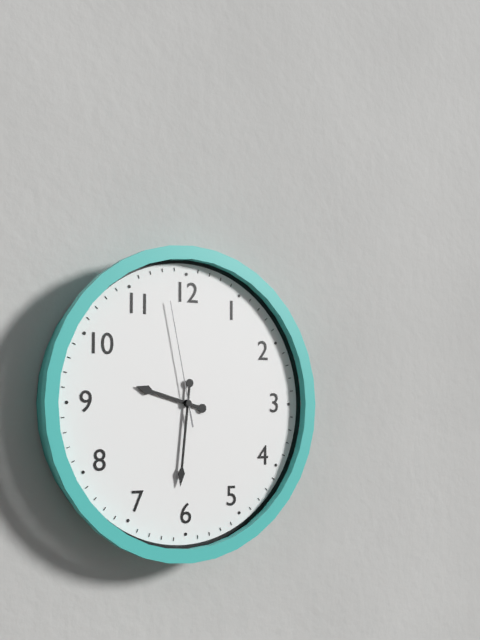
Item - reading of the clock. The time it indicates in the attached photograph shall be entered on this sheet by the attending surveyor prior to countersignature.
9:31:58
